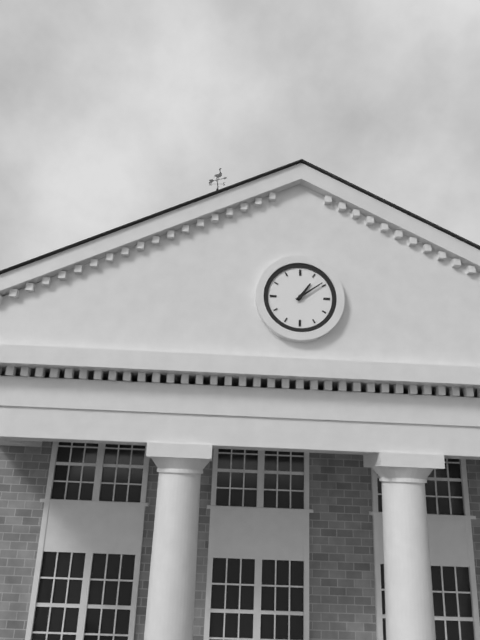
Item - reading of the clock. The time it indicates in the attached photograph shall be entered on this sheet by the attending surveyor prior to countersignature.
1:09
